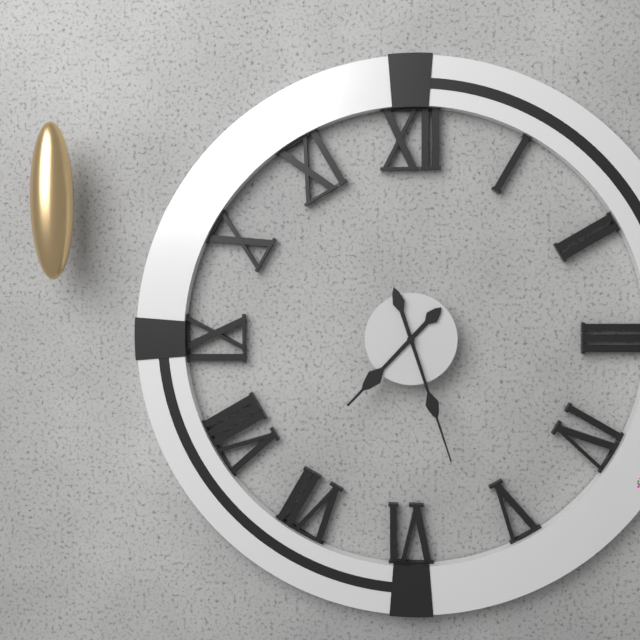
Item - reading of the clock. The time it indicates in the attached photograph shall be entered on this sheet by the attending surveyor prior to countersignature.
7:27
